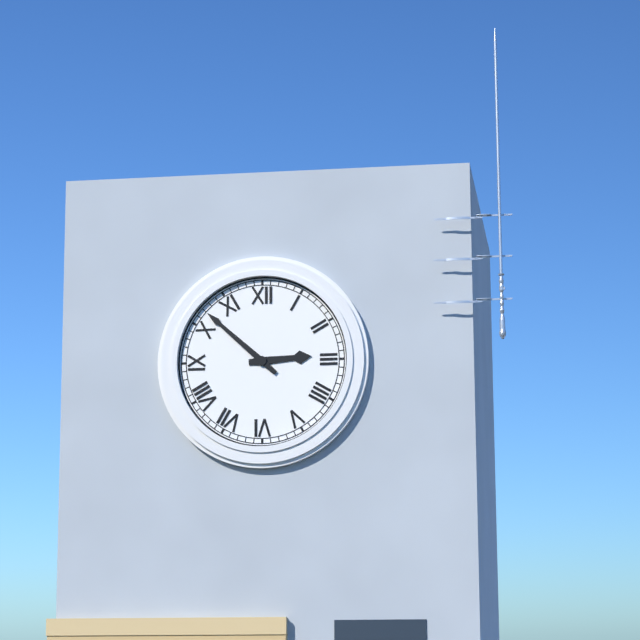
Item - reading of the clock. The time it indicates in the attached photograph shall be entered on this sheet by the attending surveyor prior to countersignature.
2:52
